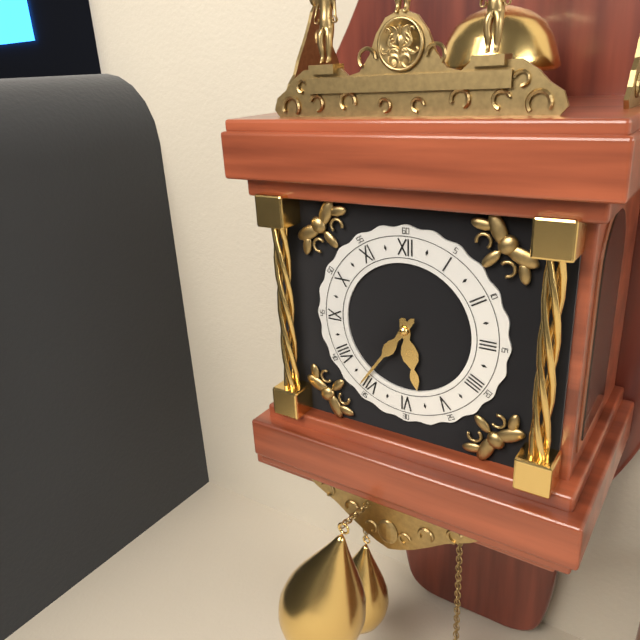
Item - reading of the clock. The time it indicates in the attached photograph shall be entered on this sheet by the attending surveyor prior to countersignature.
5:36
